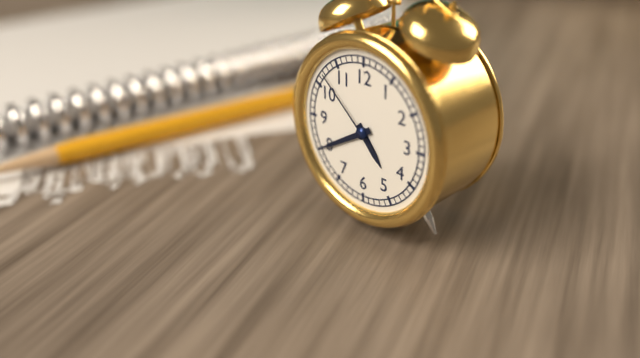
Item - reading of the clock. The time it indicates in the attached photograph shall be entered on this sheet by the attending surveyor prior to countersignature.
4:40:52
